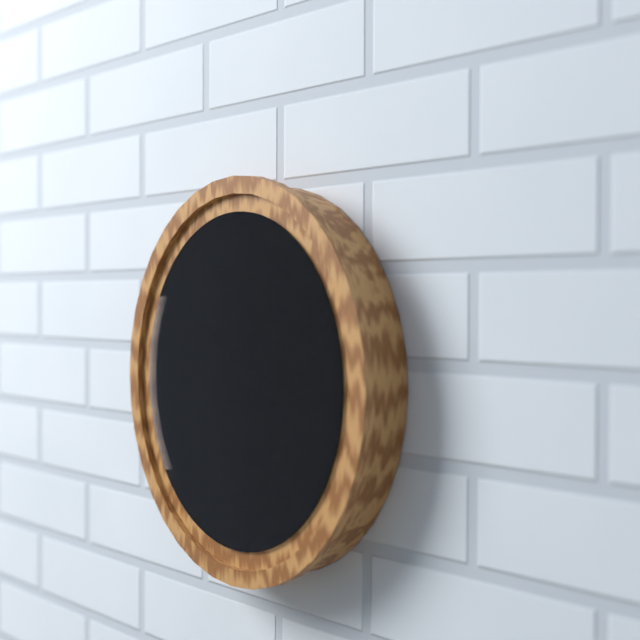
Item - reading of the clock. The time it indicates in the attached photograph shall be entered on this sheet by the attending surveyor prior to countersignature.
2:39:21
